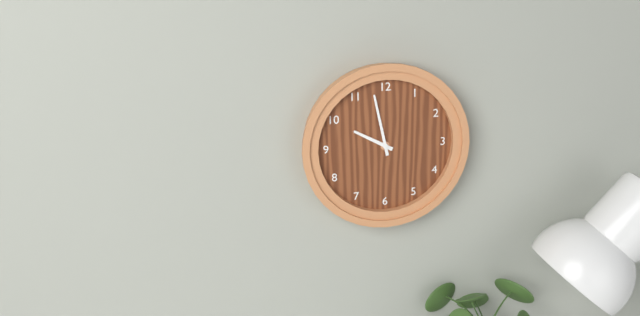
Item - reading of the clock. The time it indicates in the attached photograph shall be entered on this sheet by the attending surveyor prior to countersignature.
9:58
